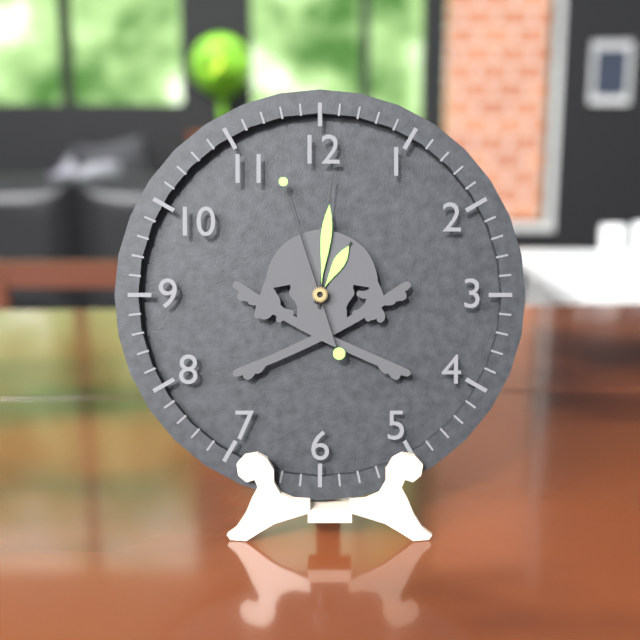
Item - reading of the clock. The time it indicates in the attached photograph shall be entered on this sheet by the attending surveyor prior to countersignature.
1:01:57
